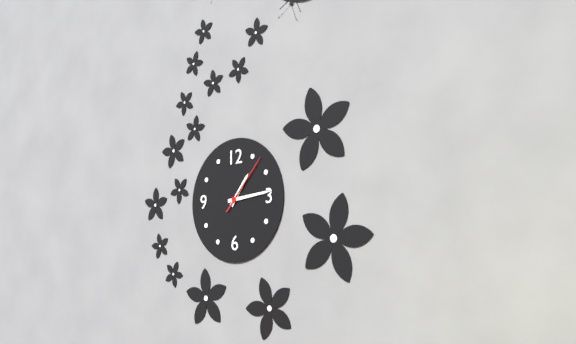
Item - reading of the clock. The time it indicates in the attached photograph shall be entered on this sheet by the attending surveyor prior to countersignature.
1:14:07
